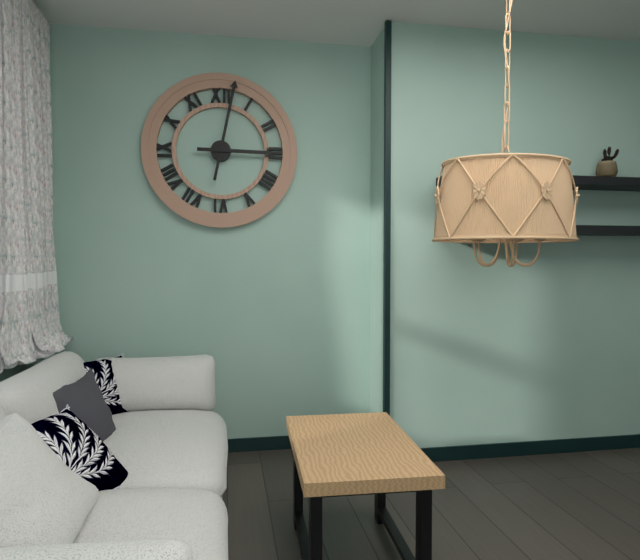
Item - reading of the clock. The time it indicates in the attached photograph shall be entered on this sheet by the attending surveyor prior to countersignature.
3:02
